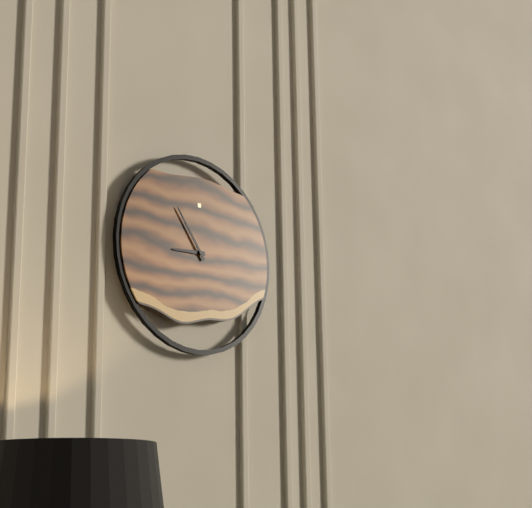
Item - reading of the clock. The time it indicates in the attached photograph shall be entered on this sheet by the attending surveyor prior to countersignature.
8:54
